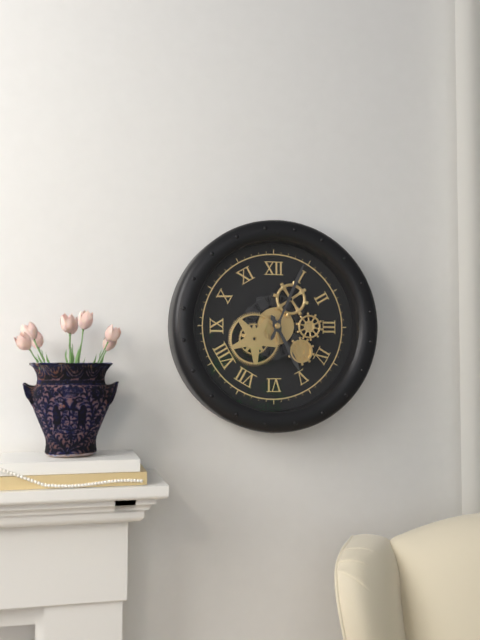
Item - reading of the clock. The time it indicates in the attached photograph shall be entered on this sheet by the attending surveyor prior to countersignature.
5:04
